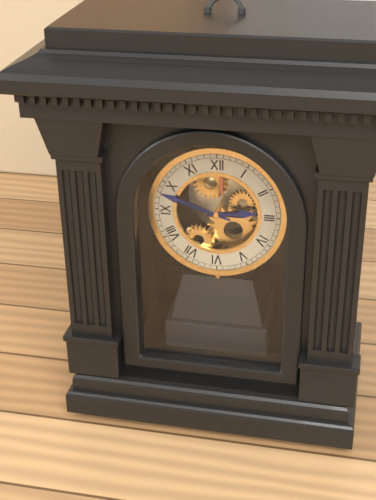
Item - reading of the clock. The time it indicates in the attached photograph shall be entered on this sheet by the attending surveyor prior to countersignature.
2:48
